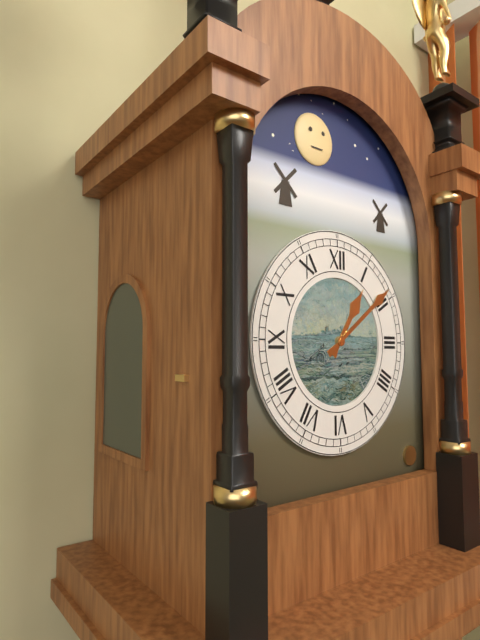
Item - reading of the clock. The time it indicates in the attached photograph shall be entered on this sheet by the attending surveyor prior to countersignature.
1:09
